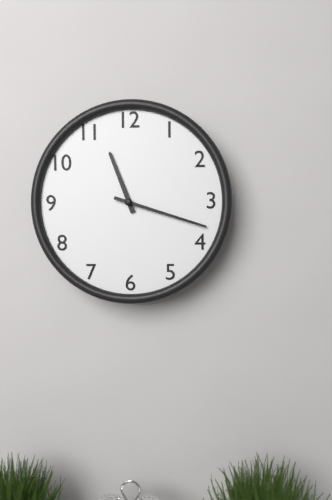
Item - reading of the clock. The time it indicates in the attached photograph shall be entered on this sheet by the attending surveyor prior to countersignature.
11:18
